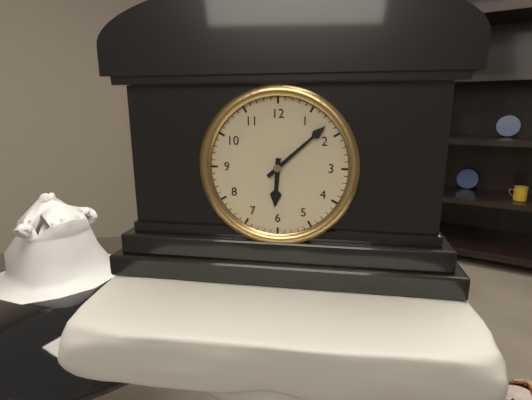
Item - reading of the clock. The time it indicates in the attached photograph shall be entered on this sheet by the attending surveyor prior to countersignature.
6:08
